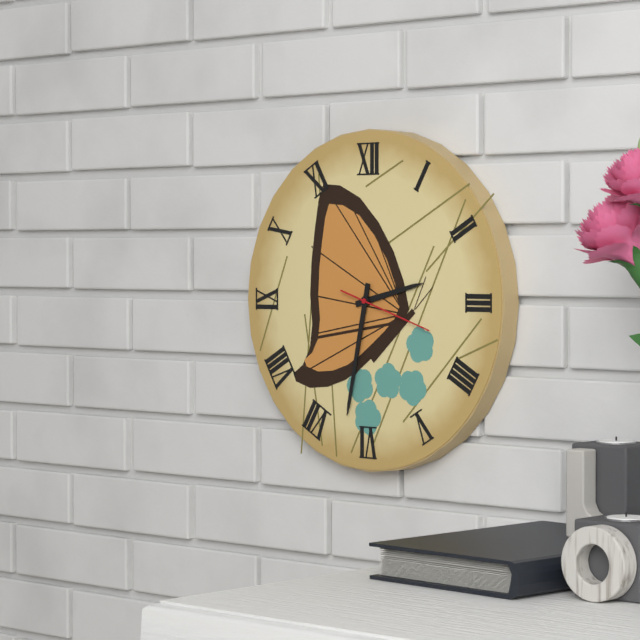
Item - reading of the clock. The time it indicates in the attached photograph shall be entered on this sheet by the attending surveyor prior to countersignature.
2:32:18
